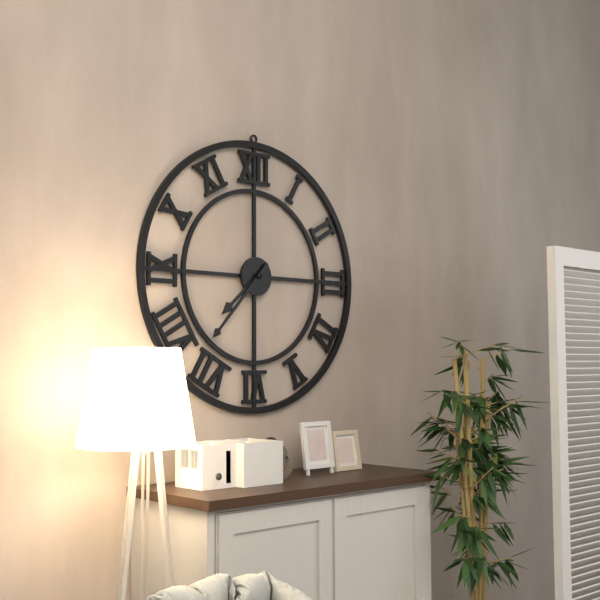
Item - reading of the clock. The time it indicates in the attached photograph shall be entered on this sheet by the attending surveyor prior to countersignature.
7:37
